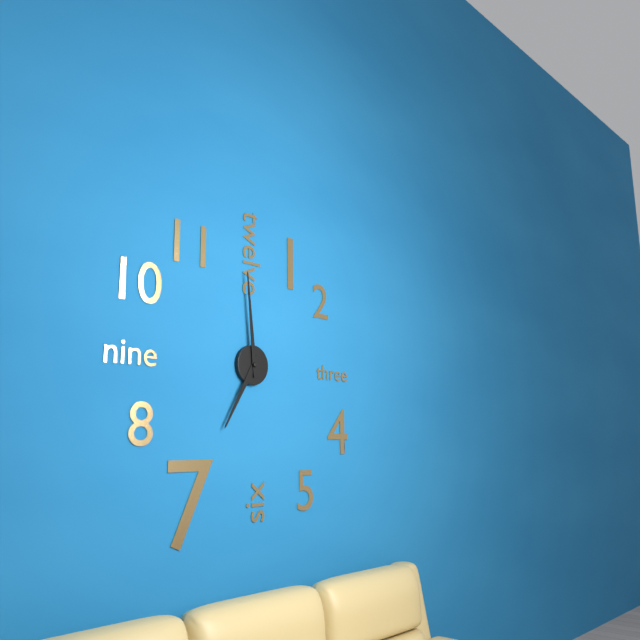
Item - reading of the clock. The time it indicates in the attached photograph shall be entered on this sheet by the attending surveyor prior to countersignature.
6:59
